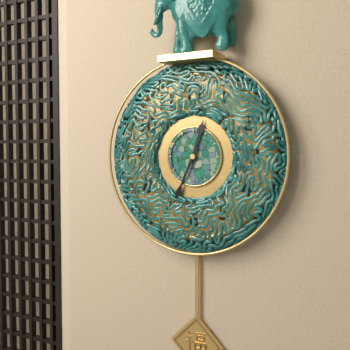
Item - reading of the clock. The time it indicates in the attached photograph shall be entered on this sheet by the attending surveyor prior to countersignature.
12:34
